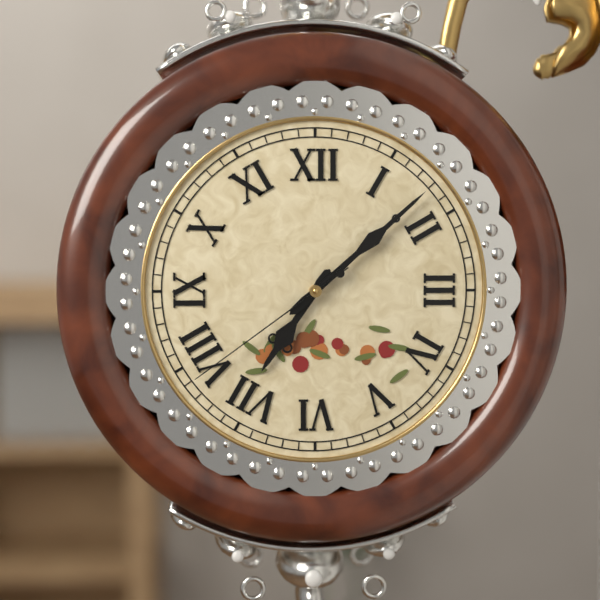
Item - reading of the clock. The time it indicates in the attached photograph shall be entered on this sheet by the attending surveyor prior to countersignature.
7:08:39
